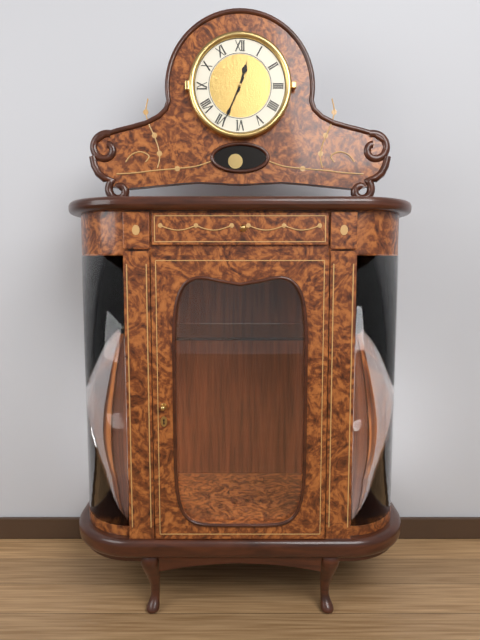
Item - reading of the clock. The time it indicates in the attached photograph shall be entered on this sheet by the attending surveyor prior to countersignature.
12:34
